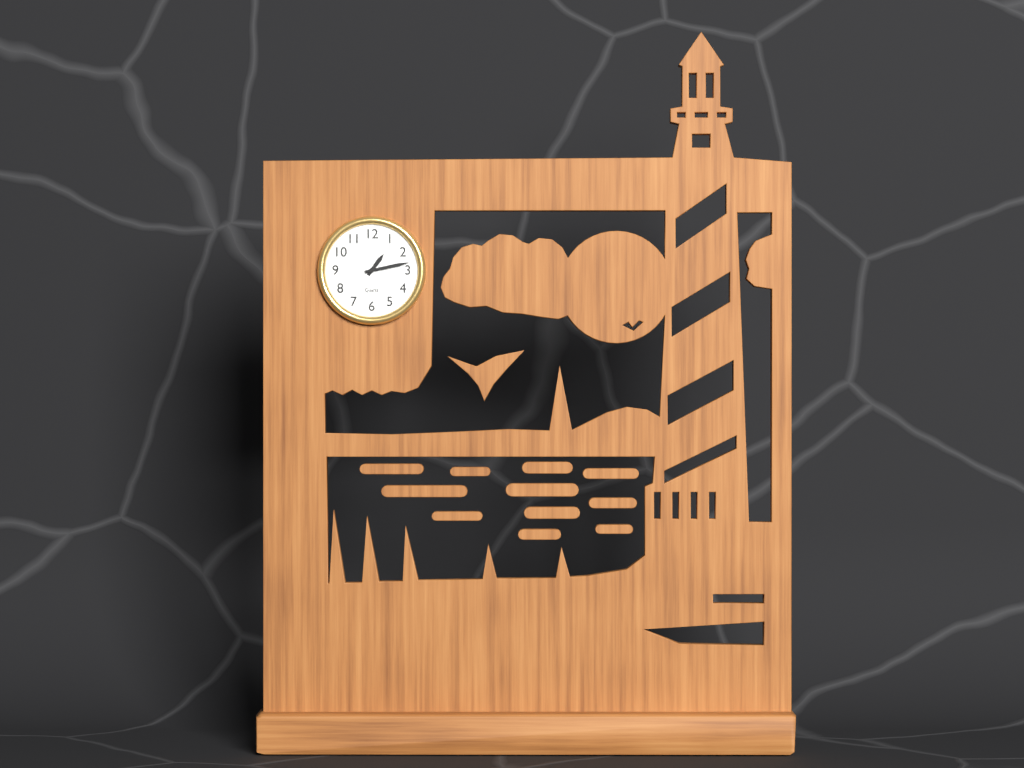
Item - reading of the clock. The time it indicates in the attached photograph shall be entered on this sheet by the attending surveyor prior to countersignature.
1:13
